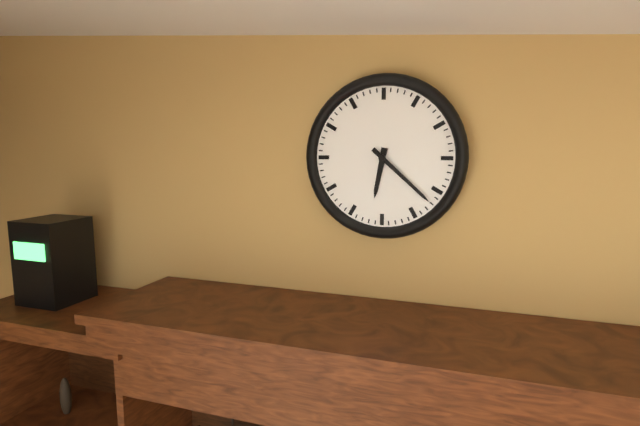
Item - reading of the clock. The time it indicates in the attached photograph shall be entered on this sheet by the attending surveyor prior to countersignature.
6:22
